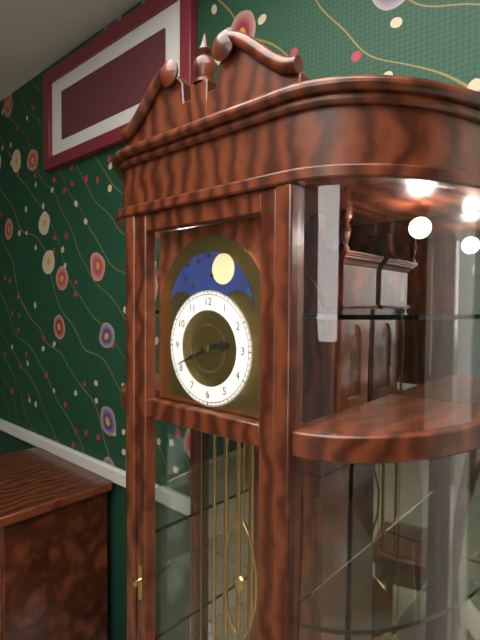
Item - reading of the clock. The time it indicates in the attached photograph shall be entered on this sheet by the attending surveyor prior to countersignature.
2:41
